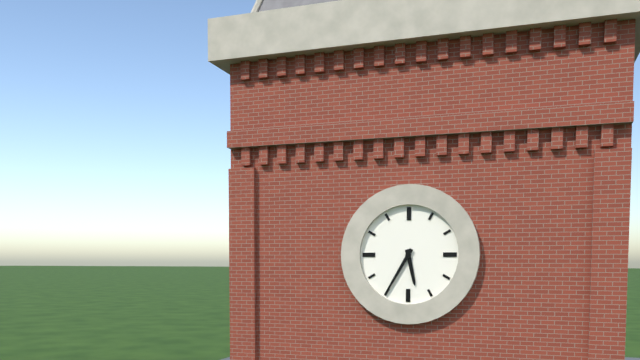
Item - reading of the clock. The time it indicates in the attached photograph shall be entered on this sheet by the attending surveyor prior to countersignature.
5:35
